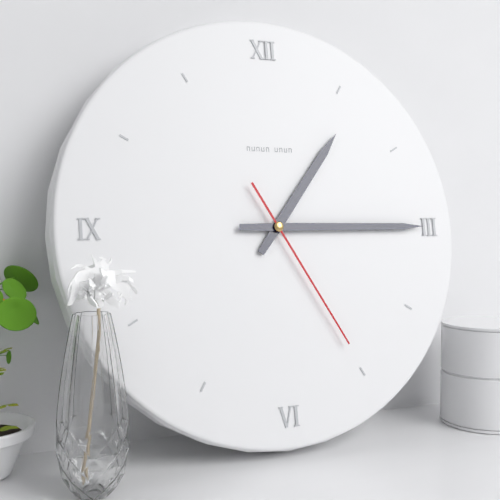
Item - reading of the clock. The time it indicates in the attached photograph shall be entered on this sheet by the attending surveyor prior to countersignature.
1:15:25
